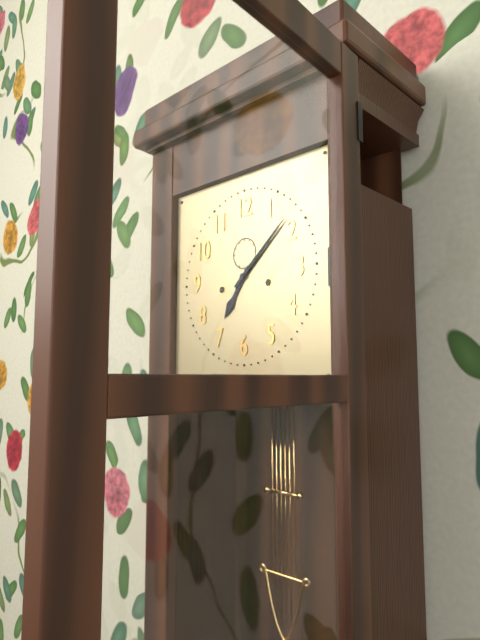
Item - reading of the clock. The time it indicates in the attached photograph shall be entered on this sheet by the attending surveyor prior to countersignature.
7:08
